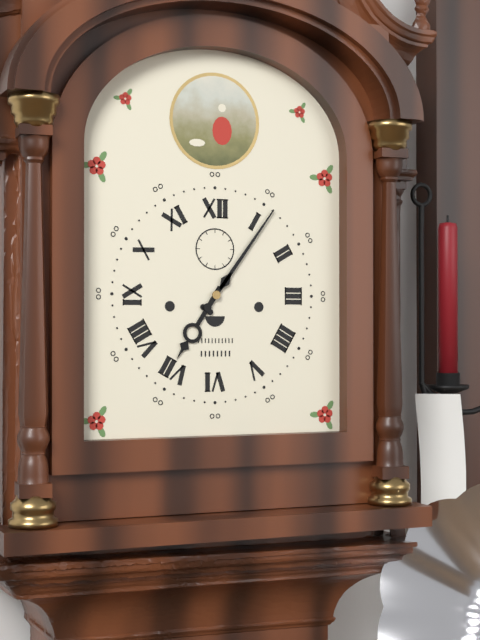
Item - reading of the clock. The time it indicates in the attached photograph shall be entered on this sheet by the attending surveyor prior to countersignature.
7:06
